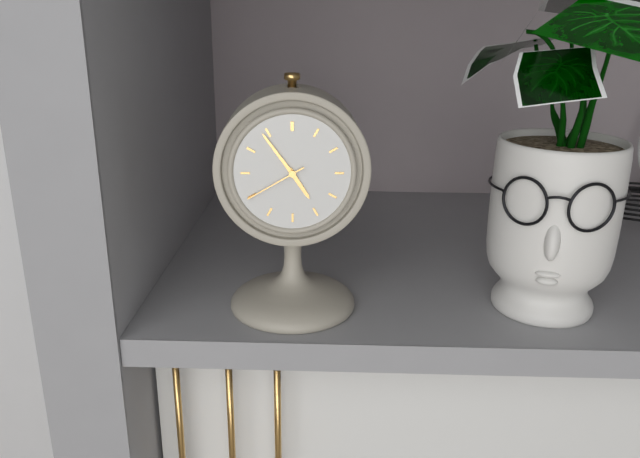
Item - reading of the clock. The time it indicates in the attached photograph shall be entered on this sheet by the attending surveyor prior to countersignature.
4:54:40
